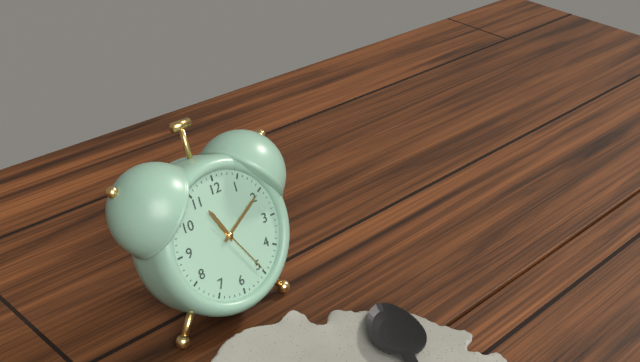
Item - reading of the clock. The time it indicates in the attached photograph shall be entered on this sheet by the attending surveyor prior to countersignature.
11:10:25
